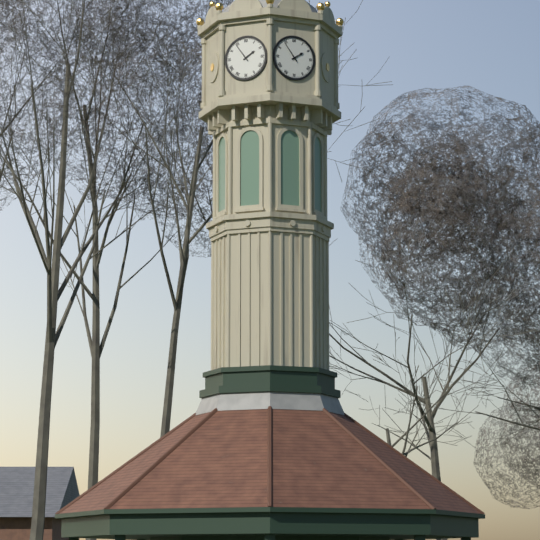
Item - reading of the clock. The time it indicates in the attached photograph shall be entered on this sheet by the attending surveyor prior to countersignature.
1:54
